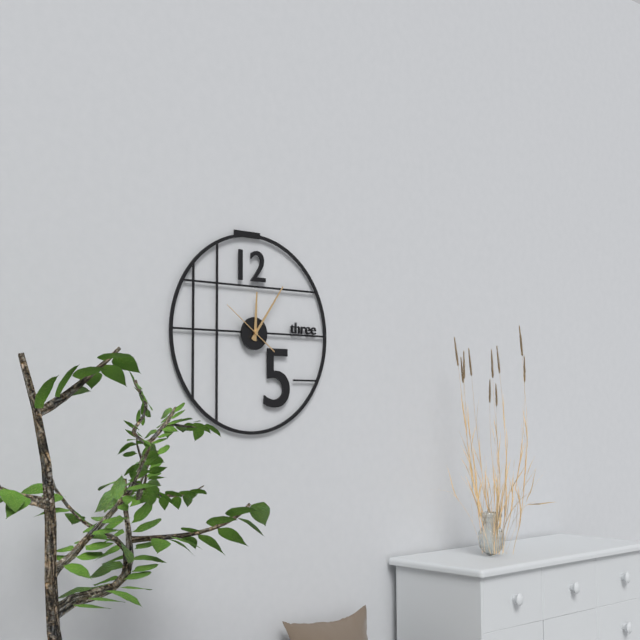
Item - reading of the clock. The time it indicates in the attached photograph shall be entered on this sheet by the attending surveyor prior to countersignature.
12:06:51
